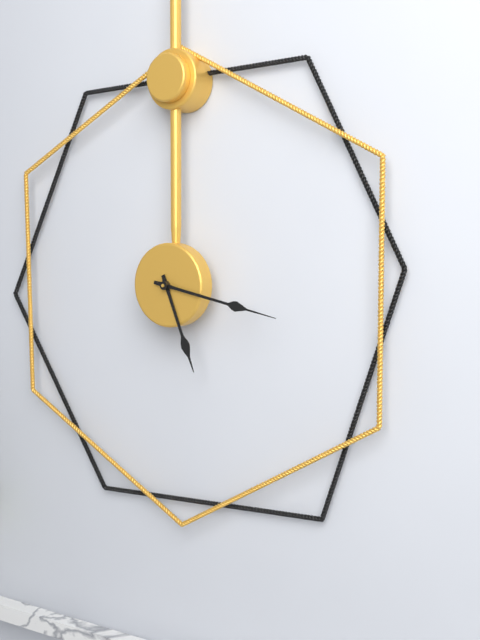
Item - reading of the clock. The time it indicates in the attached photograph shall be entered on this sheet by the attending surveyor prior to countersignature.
5:17
